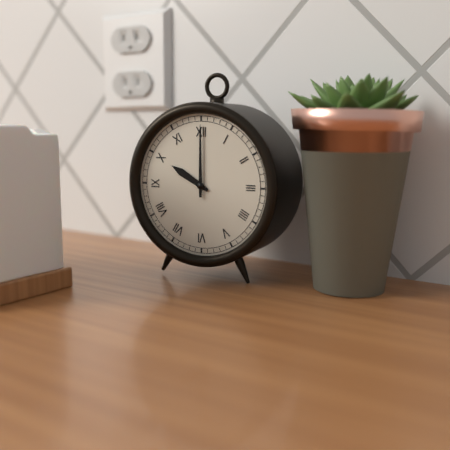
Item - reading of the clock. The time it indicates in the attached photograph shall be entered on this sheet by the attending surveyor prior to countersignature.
10:00
